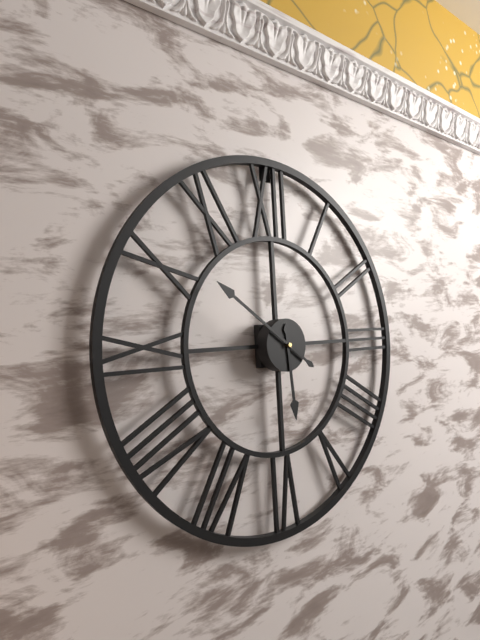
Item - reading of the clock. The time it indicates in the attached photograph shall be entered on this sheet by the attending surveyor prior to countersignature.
5:51
